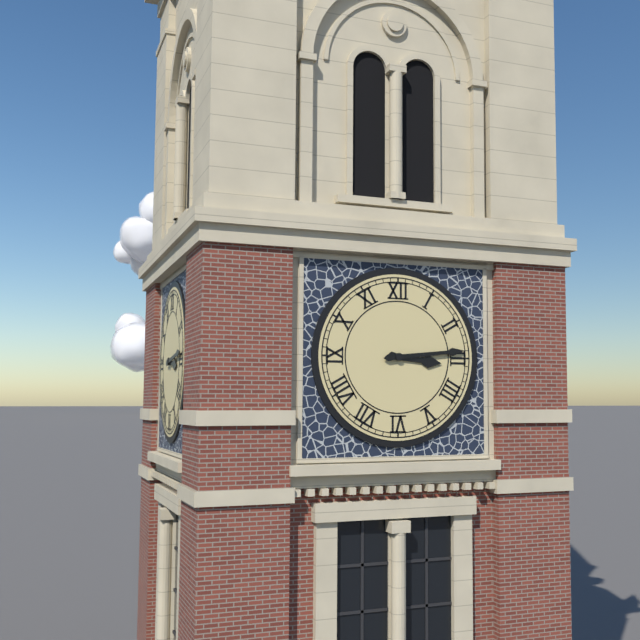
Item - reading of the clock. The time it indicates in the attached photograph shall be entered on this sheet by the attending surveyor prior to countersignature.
3:14
